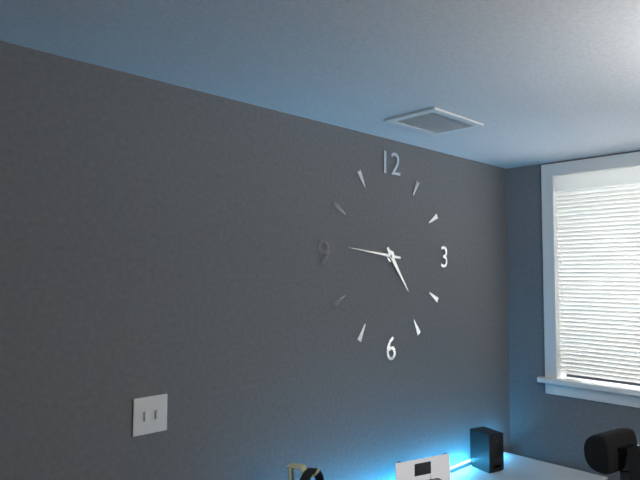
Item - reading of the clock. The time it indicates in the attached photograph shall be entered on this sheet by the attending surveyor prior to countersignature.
4:46
